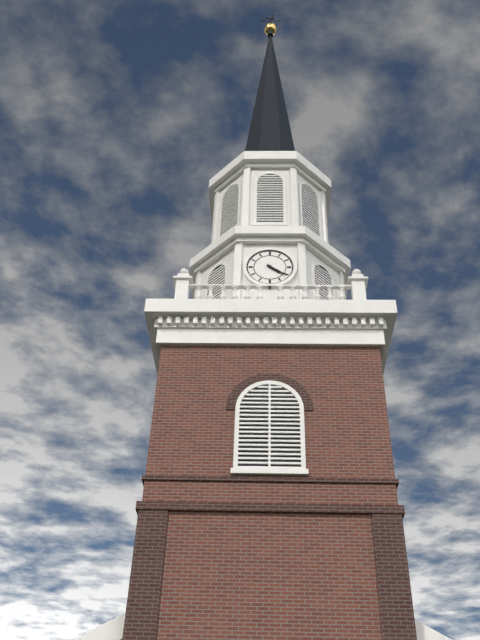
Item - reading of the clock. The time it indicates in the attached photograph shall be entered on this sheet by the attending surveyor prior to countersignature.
4:21
